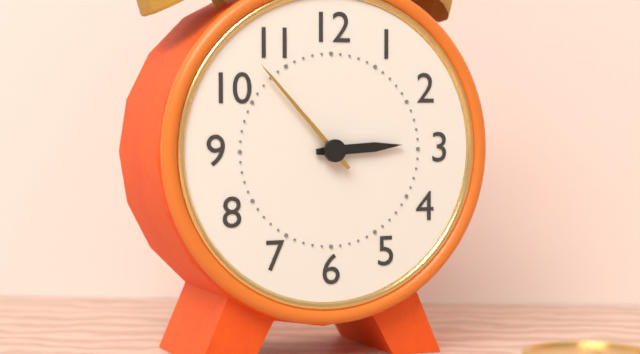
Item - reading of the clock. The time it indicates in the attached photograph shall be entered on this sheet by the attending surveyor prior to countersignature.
2:53
